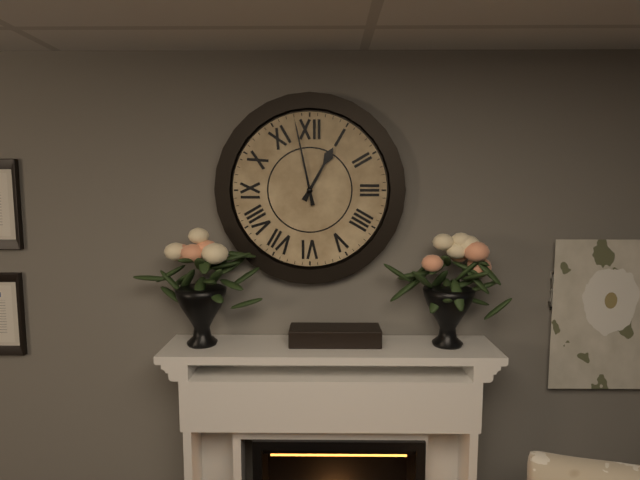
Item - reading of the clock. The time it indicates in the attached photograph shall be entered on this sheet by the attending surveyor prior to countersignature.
12:58
